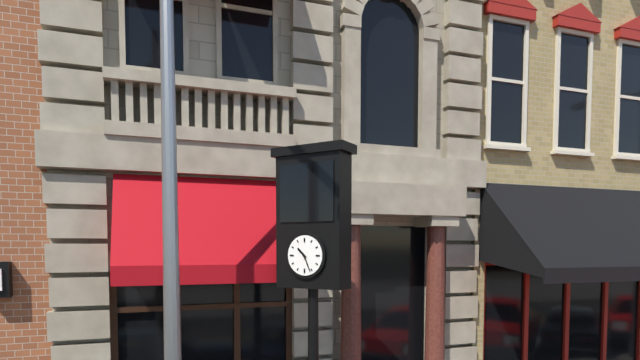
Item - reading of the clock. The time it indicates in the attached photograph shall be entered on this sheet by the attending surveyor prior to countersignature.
10:26
